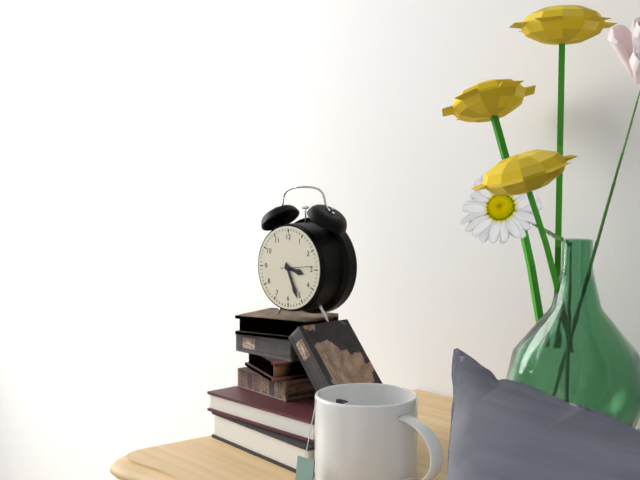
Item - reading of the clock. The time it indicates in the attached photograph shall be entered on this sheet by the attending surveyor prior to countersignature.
3:26
